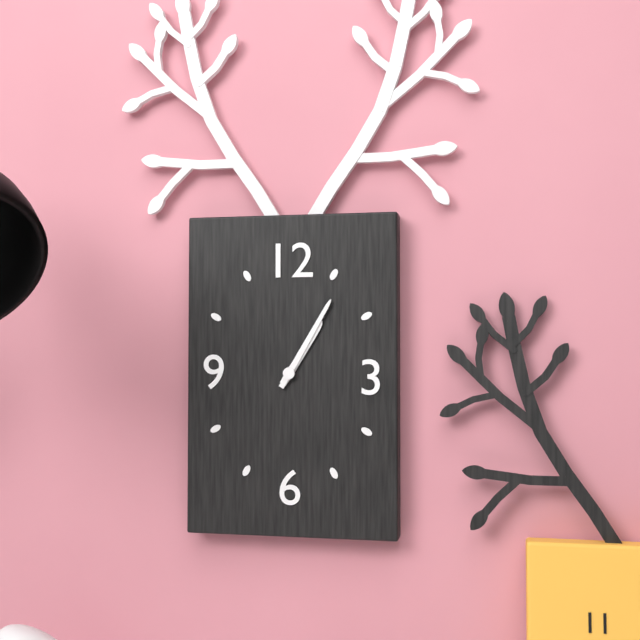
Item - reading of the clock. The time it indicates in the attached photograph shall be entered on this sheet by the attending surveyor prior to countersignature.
1:05
